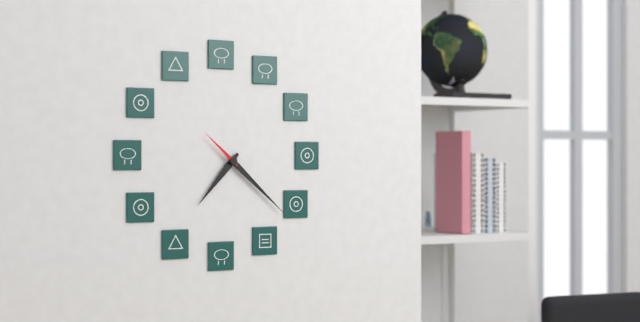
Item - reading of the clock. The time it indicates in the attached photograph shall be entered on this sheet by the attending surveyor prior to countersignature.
7:22
